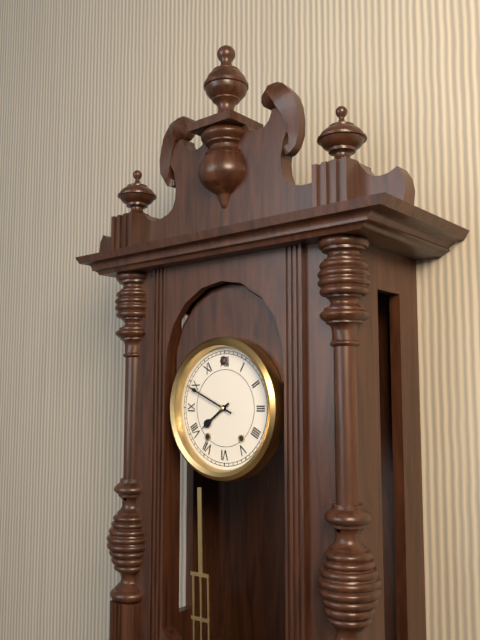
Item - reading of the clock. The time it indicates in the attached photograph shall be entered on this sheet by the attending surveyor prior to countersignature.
7:49
